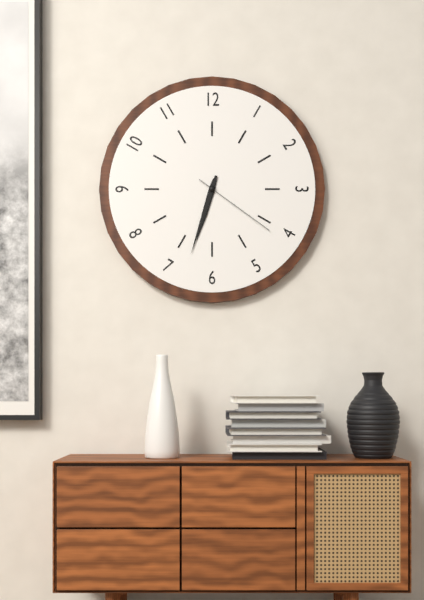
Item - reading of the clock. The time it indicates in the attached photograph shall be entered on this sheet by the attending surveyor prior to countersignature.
6:33:21
